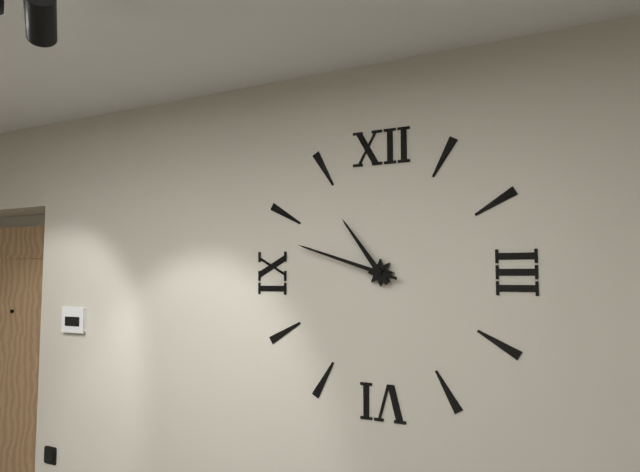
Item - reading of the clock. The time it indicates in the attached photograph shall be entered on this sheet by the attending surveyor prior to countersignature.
10:48
